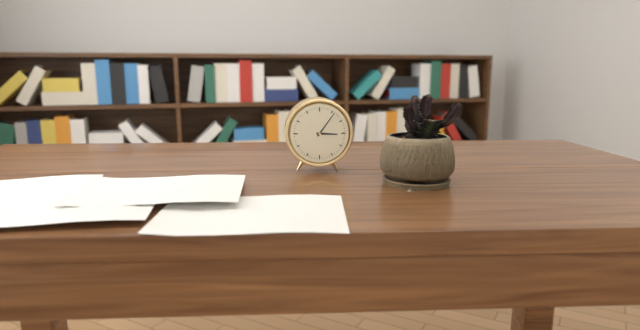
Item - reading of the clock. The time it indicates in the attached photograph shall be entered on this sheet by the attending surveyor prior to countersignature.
3:06
